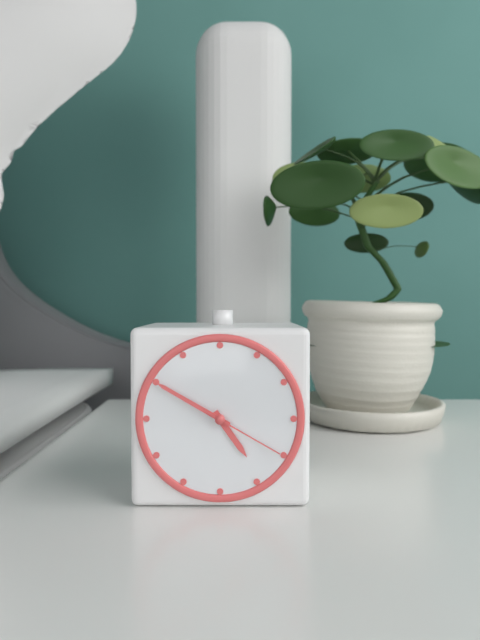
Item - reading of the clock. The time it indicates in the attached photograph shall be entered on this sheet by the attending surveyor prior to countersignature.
4:50:20
